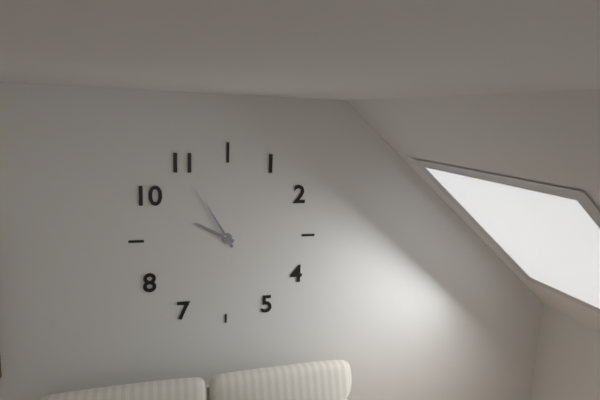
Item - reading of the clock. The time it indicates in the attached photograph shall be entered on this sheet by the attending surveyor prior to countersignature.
9:55
